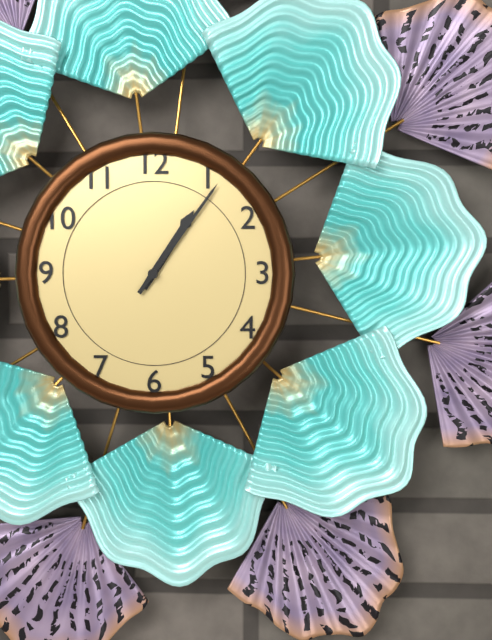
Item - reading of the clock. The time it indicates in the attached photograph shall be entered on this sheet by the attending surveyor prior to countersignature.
1:06
